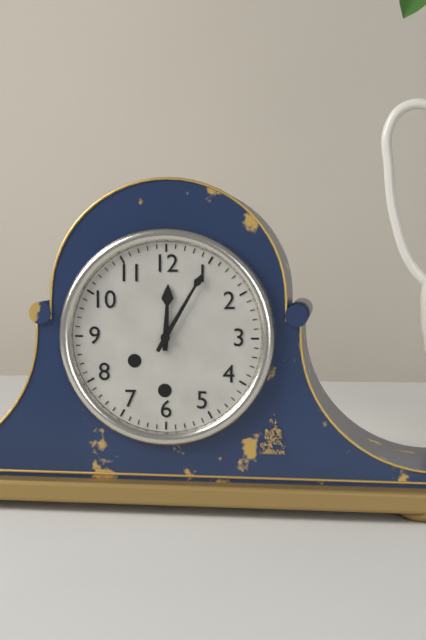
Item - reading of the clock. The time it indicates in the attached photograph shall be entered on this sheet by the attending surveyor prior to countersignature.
12:05
